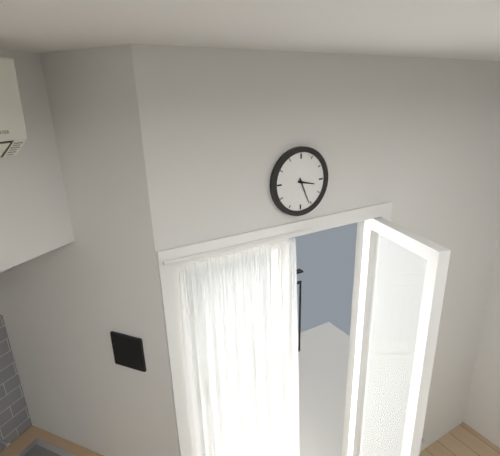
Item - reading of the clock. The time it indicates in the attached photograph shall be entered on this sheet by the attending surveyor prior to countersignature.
3:26
